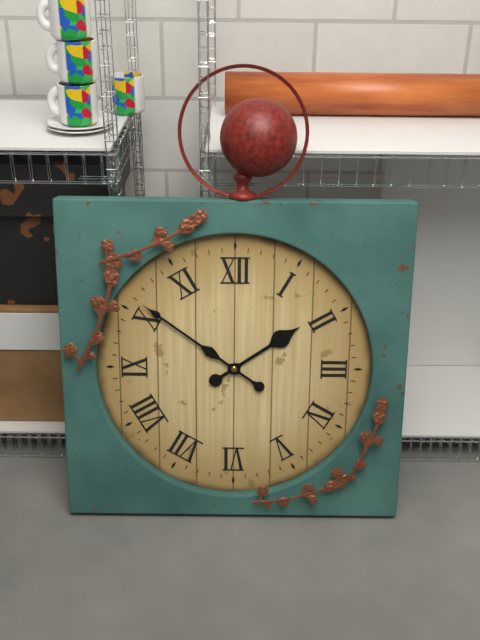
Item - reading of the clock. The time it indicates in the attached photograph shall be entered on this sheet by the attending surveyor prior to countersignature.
1:51
